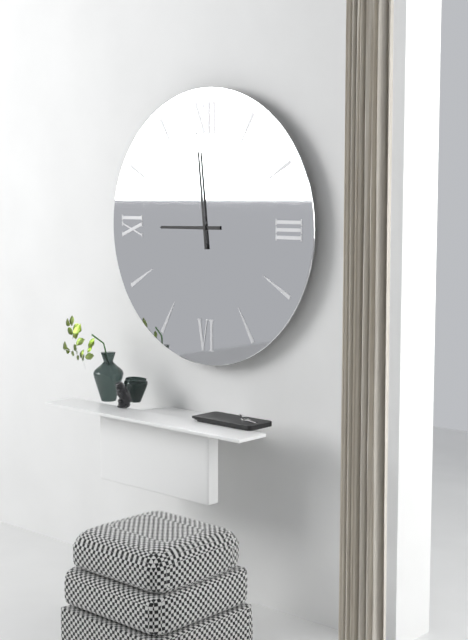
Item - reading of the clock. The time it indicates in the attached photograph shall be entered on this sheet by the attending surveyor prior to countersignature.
8:59
